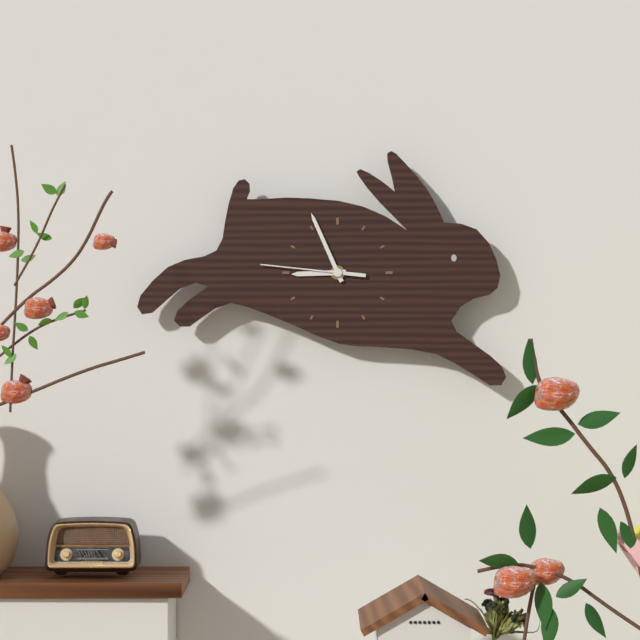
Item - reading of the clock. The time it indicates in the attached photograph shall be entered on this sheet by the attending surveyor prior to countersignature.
8:56:46
